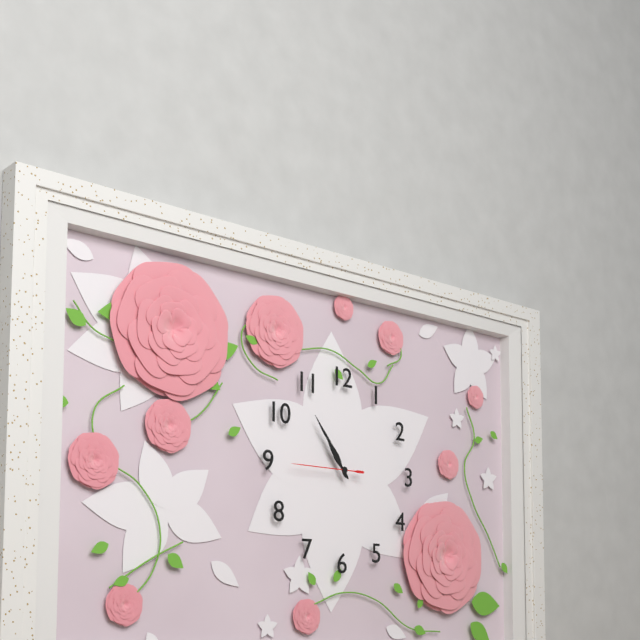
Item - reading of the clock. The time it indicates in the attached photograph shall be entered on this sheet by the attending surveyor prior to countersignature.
10:54:45
